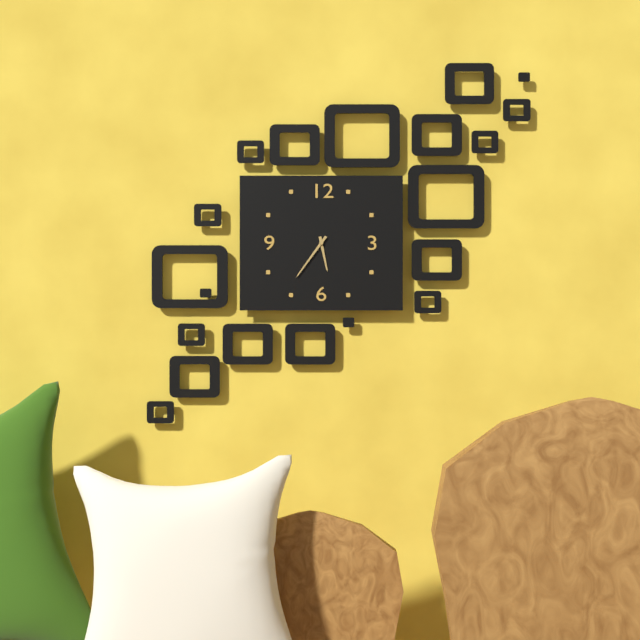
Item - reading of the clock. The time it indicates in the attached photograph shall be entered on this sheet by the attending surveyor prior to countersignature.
5:36
